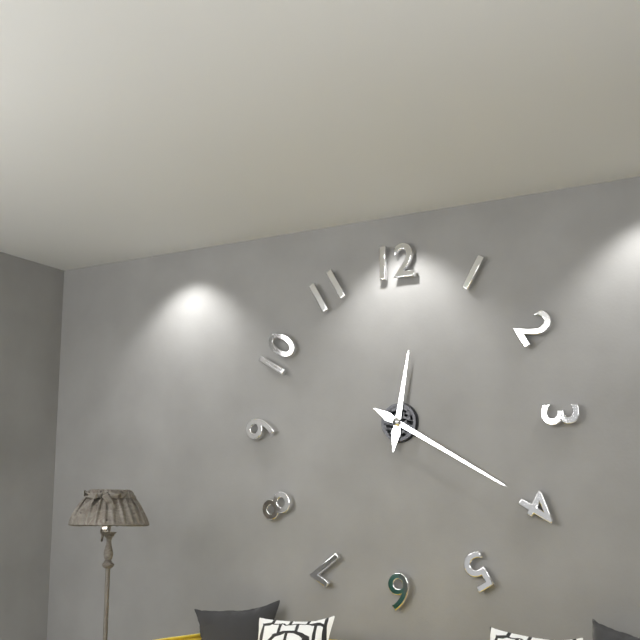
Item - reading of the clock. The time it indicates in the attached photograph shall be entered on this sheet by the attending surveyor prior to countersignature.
12:20
